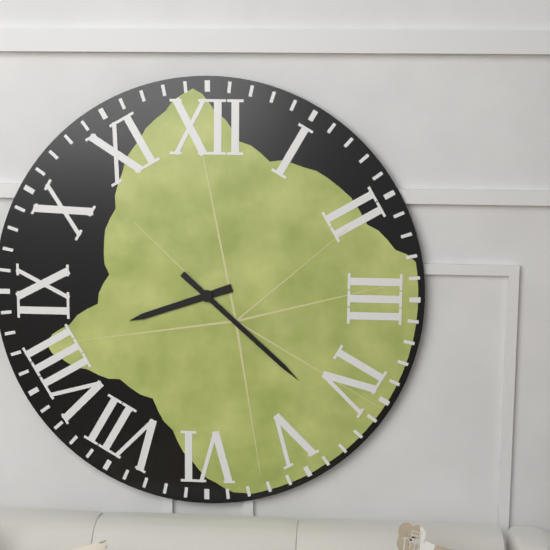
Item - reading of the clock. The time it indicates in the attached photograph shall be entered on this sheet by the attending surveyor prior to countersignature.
8:22
